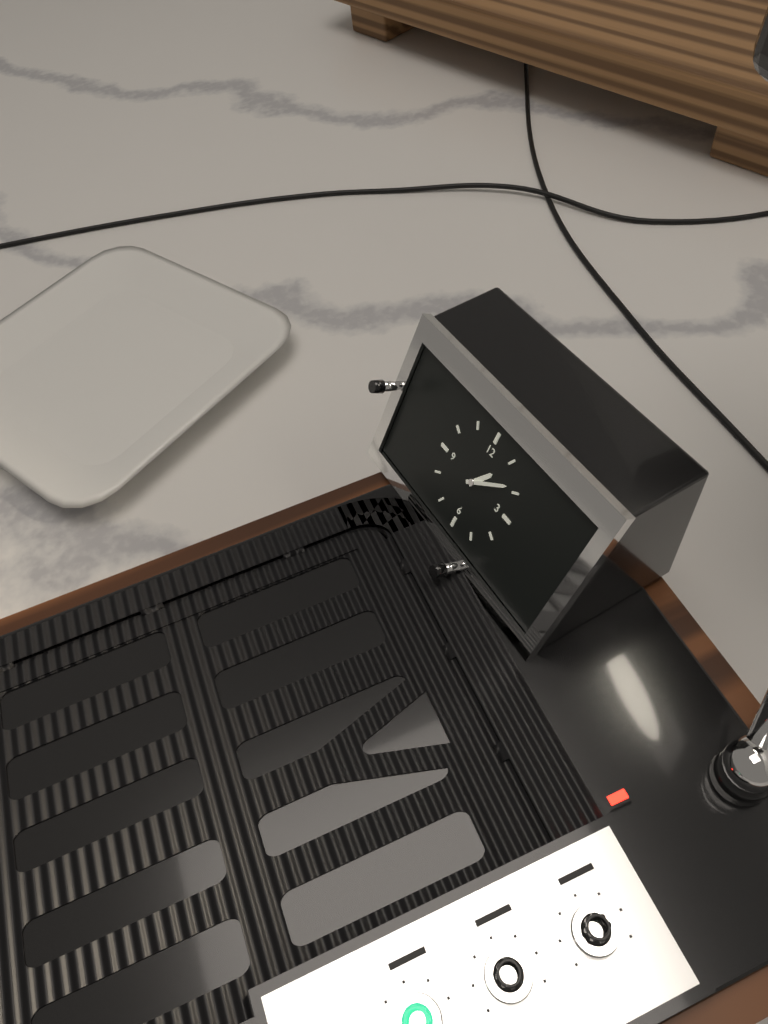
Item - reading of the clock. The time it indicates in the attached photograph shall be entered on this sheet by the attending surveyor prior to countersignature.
1:09
